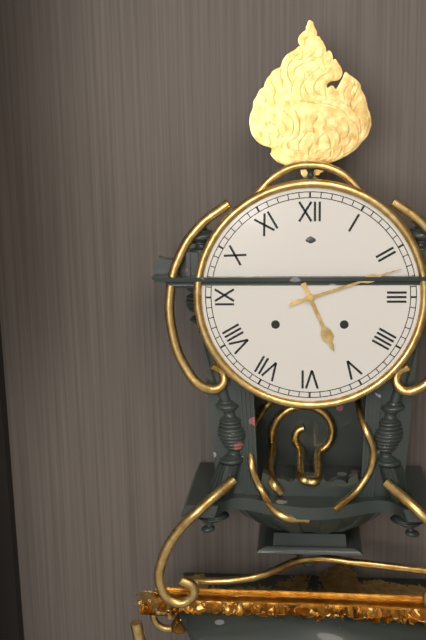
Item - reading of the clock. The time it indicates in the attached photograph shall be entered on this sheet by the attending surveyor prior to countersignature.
5:12
